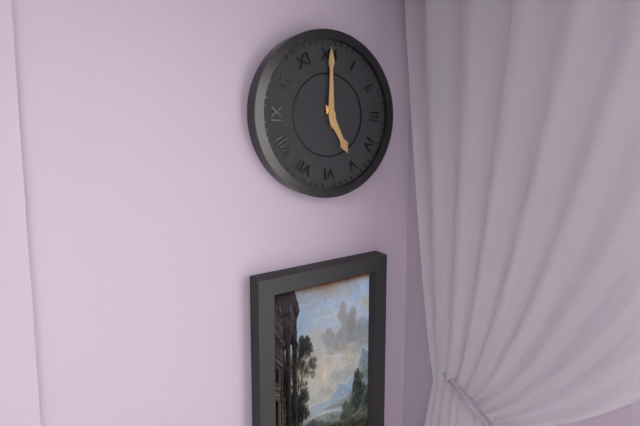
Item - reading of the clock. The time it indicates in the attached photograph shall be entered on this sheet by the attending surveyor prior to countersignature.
5:00
